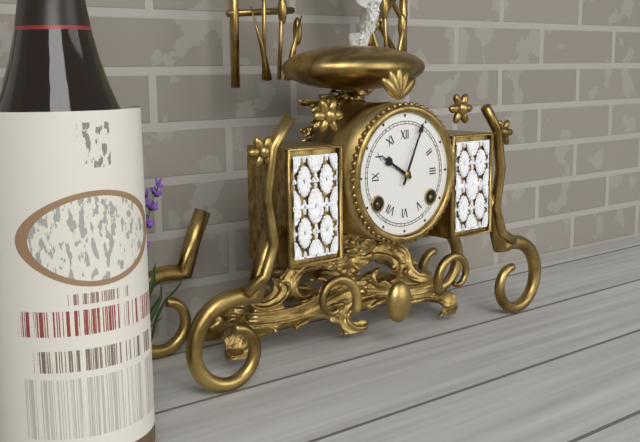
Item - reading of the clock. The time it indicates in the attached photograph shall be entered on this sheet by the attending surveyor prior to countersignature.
10:04
